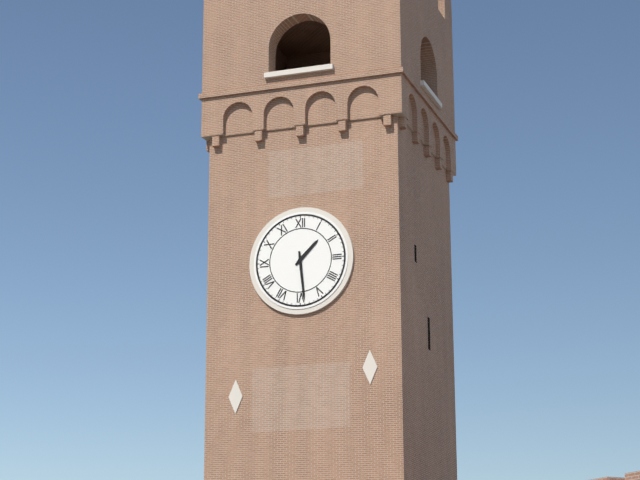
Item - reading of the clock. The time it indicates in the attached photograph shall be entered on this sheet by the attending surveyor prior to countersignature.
1:29
